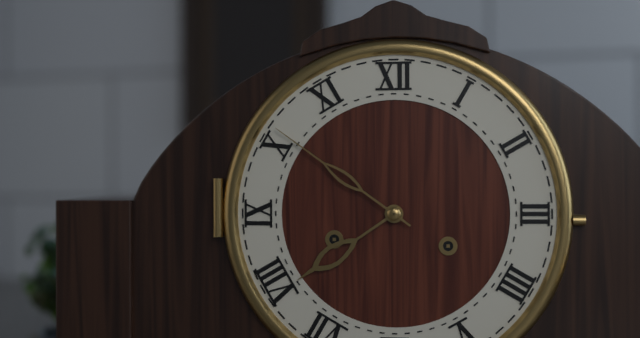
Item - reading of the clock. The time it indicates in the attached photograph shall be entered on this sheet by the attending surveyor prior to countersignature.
7:51
